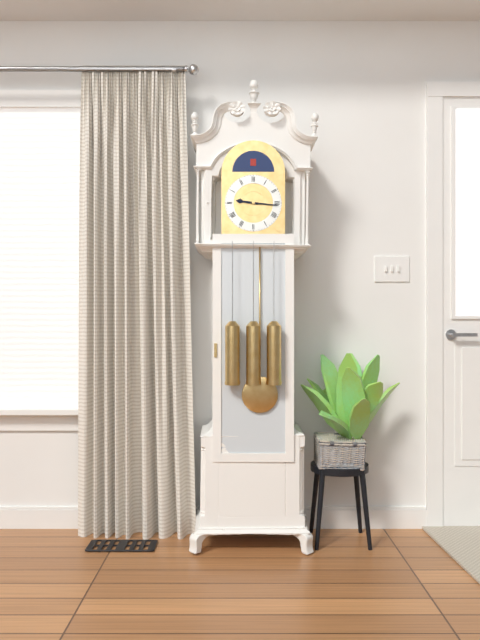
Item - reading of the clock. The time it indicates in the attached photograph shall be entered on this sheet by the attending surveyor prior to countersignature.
9:16
